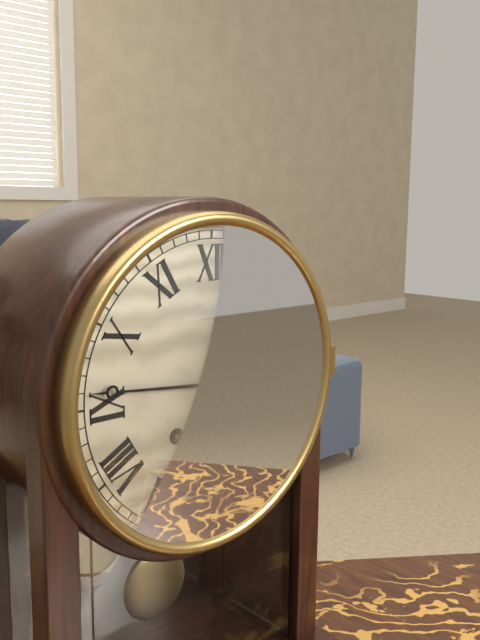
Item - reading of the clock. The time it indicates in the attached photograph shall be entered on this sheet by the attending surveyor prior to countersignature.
5:46
